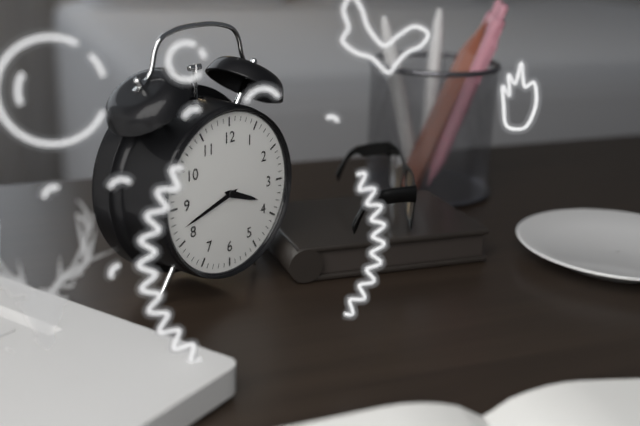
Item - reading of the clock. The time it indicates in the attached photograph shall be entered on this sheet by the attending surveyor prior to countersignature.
3:42
